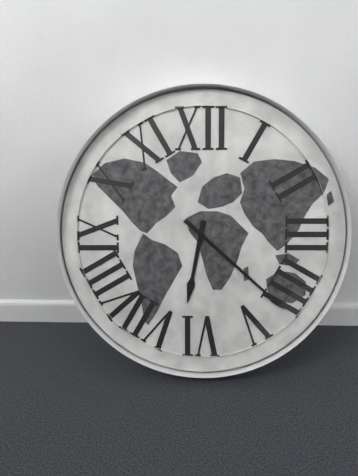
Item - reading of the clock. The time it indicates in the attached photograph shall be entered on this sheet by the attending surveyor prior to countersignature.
6:22
